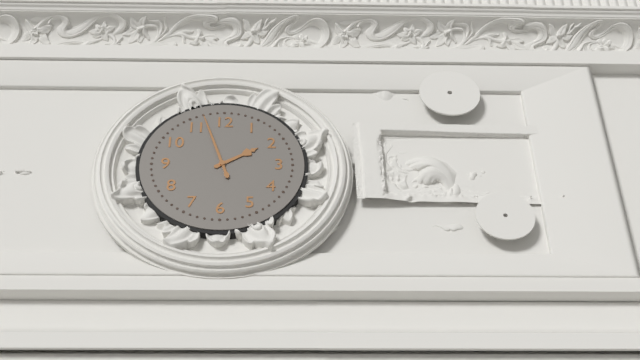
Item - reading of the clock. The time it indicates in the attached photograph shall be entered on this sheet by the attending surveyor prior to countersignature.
1:57
